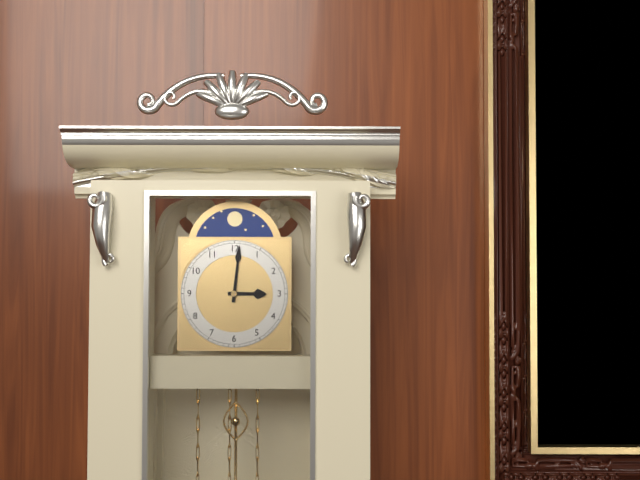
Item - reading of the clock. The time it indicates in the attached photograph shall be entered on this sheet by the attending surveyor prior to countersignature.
3:01
